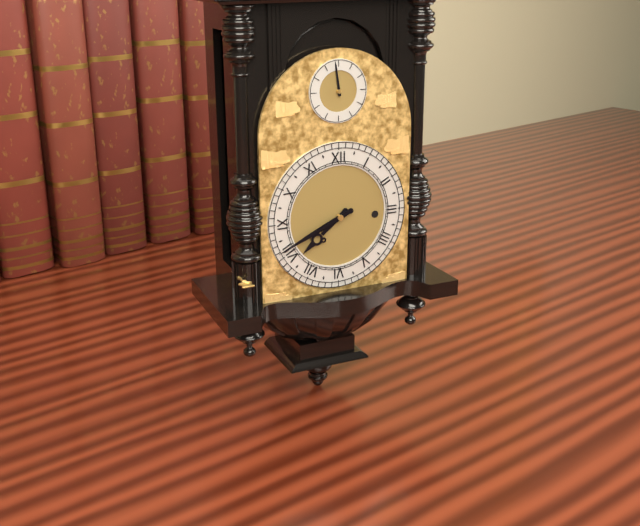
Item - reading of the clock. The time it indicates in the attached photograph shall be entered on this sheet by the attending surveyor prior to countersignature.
7:41
